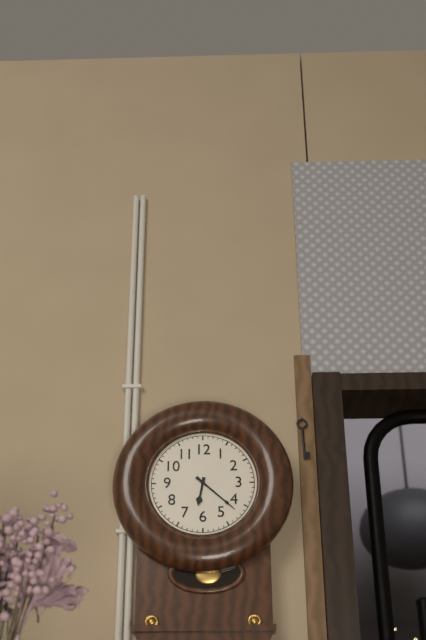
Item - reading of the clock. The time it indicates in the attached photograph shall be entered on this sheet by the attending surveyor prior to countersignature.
6:22
